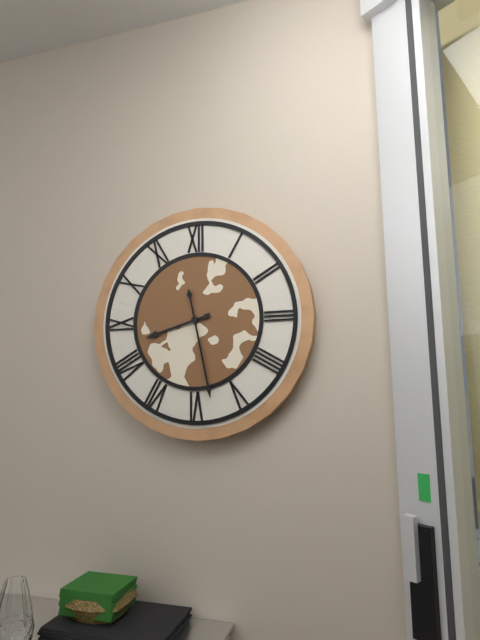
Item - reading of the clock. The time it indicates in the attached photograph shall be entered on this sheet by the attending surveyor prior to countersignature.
8:28
